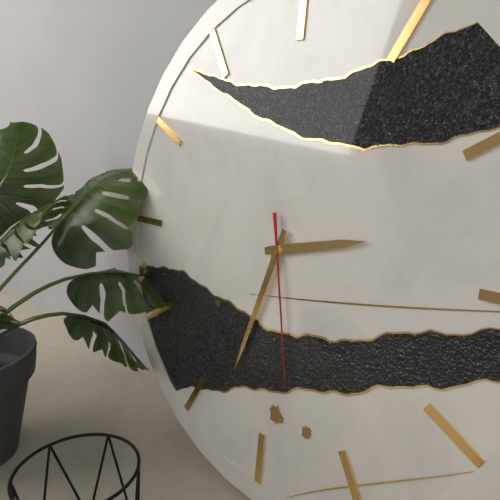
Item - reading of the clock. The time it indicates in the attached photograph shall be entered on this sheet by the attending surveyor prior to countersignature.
2:33:28
